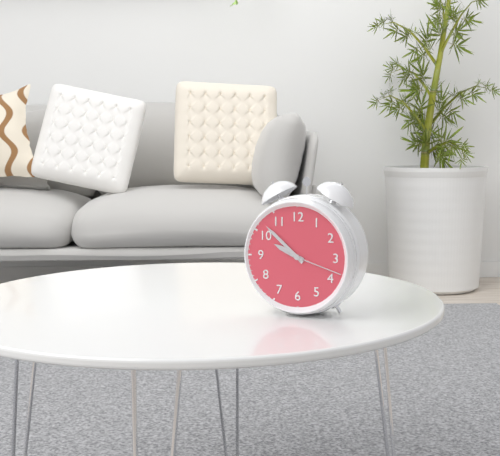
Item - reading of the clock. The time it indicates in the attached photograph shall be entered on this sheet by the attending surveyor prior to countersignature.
9:52:18
